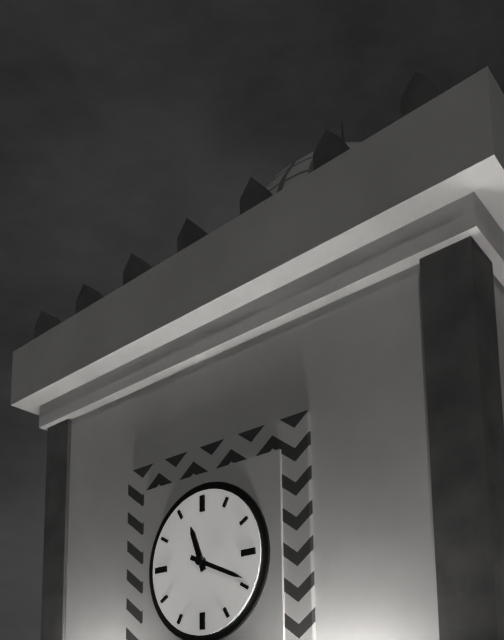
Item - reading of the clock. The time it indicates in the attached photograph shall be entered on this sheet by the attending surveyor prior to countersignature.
11:19
